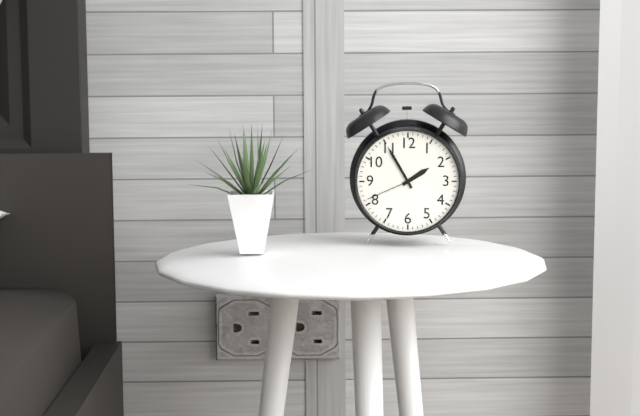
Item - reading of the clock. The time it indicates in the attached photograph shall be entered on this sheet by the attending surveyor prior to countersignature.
1:55:41
